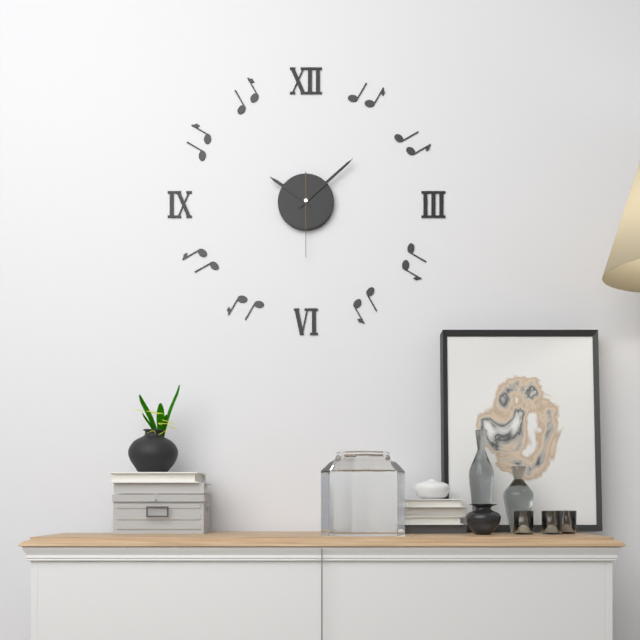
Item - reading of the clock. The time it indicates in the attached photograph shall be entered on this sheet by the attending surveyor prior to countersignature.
10:08:30
